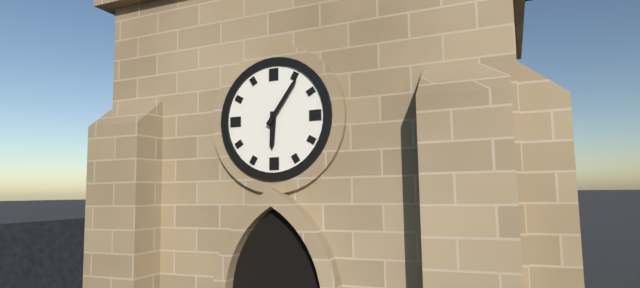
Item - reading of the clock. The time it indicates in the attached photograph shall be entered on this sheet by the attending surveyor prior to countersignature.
6:06
